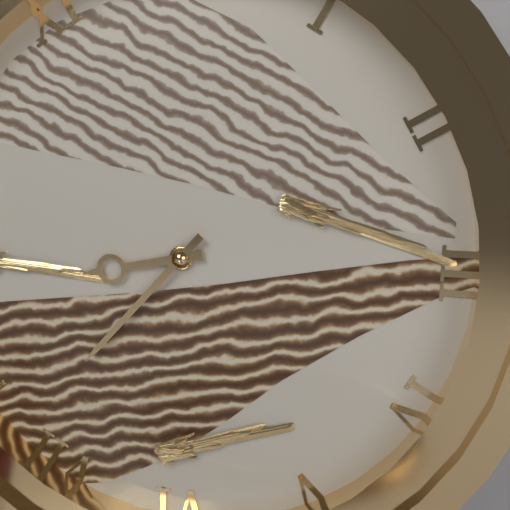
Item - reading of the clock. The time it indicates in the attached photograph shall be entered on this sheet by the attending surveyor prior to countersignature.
8:37
